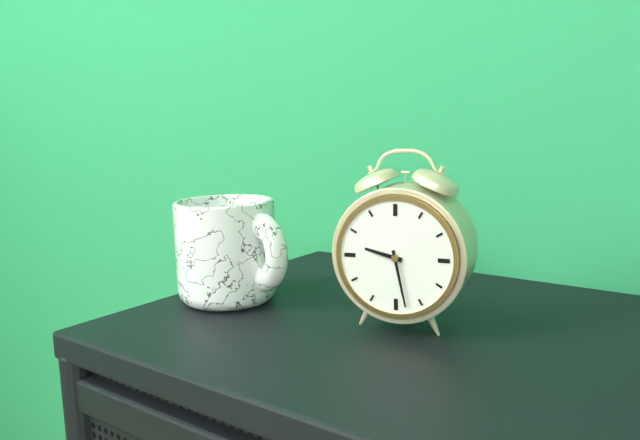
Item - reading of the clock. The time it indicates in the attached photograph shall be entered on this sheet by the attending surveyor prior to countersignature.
9:28
